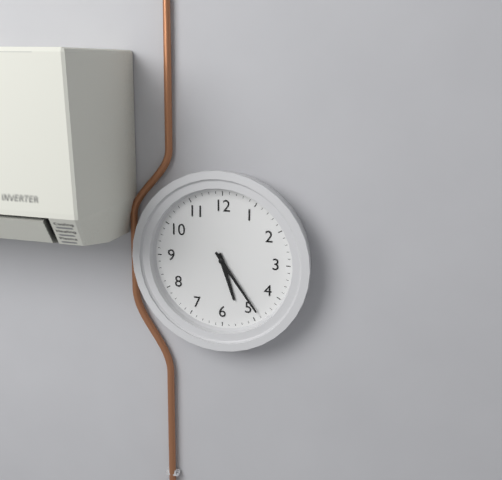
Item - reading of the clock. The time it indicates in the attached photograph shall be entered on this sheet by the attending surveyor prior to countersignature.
5:24
